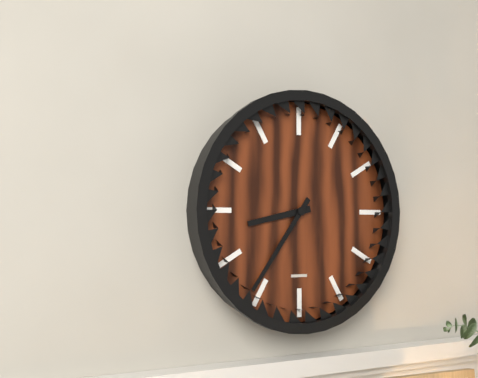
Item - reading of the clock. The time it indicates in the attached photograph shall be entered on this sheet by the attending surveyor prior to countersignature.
8:36
